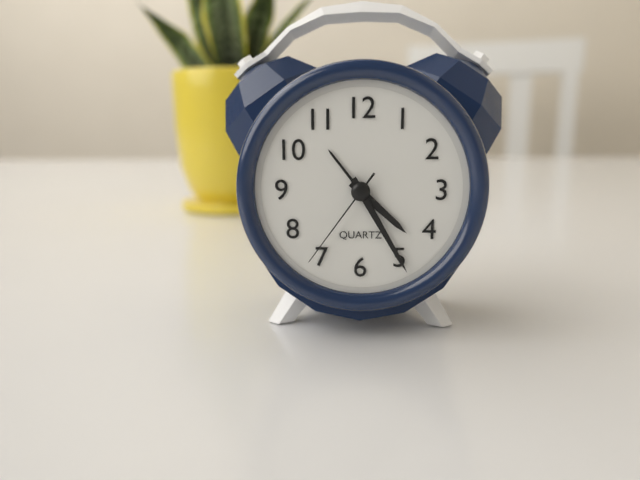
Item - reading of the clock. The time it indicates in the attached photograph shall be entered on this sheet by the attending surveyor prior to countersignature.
4:25:36
